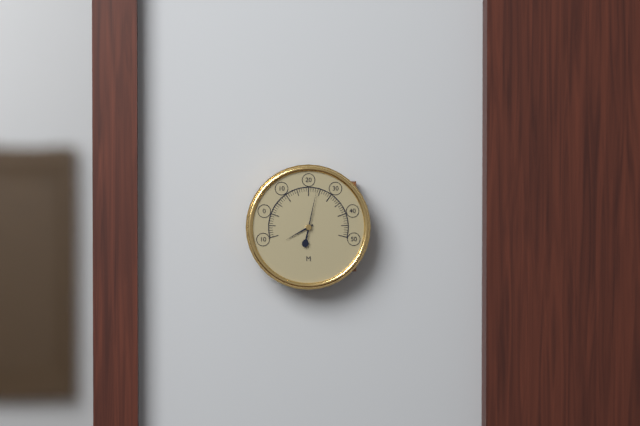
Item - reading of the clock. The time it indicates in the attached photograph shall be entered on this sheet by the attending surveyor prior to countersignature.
8:02
